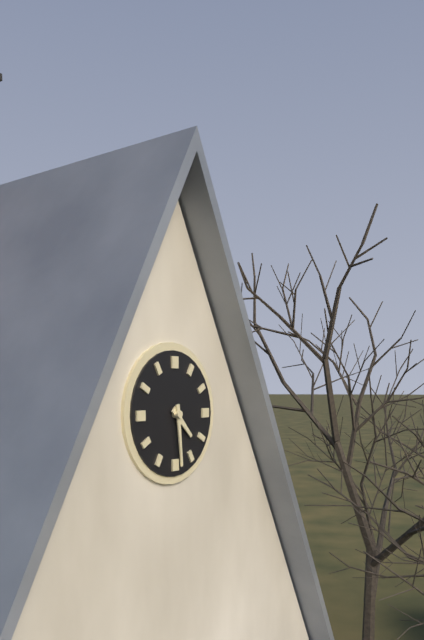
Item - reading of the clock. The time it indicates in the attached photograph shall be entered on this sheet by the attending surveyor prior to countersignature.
4:29
